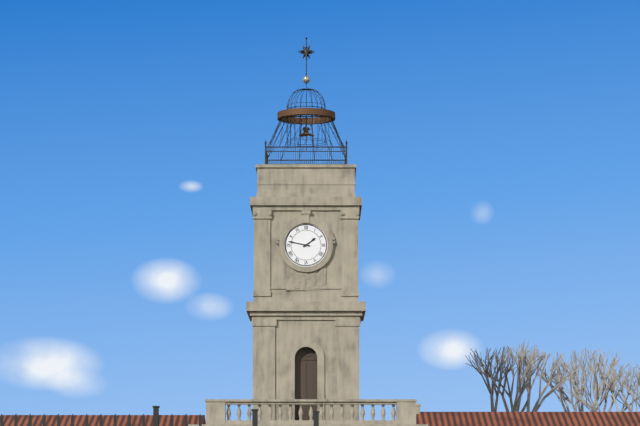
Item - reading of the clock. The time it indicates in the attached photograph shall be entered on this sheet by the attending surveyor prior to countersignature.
1:47
